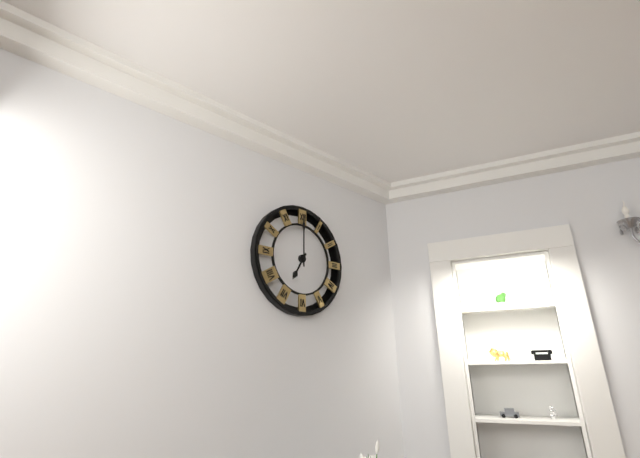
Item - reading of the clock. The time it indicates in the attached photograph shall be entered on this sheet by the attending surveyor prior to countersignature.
7:00
